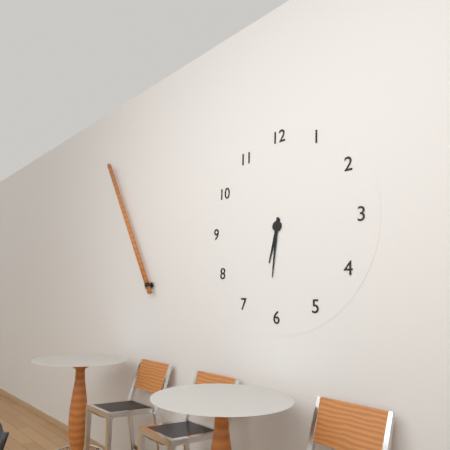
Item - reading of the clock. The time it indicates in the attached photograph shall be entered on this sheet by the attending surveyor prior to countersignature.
6:31
